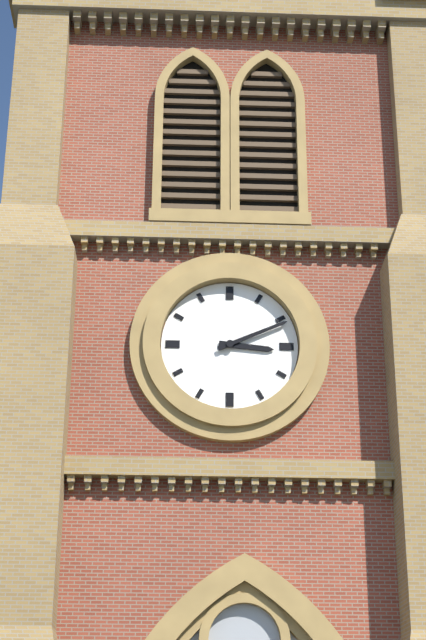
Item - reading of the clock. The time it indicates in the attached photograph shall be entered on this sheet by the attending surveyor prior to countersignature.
3:11
